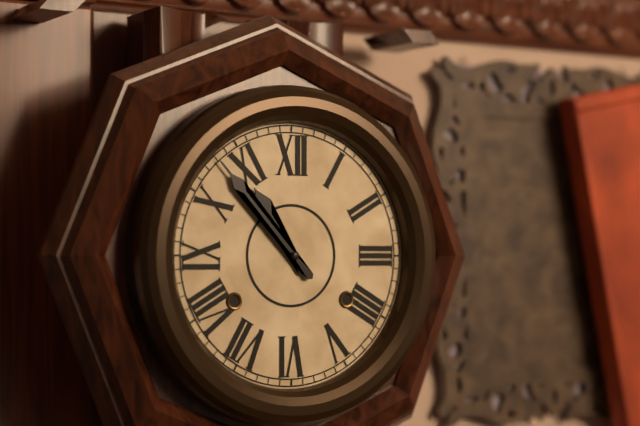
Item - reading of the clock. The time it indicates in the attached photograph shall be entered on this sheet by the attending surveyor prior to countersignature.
10:53
